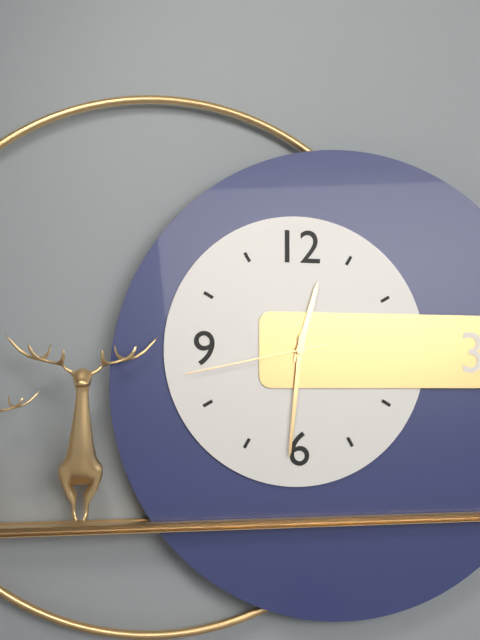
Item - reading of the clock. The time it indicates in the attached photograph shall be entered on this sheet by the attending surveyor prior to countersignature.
12:31:43
